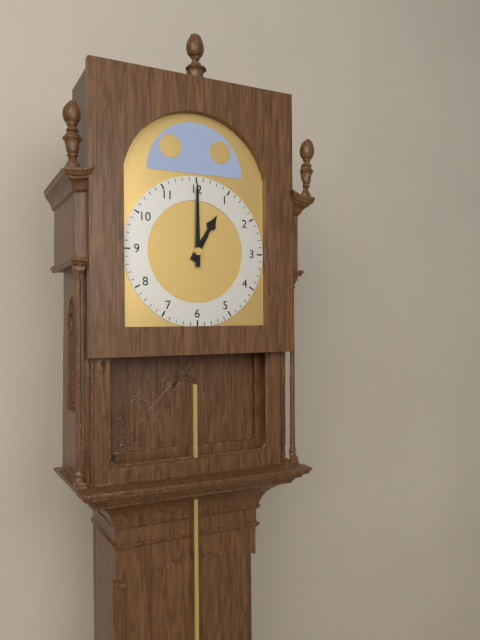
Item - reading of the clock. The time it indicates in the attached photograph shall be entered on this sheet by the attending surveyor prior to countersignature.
1:00
